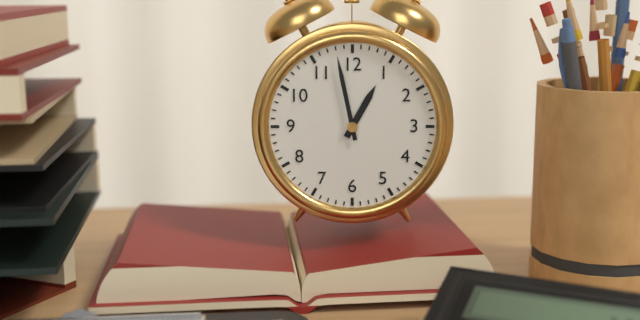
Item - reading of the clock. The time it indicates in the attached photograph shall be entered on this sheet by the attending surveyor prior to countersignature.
12:58
